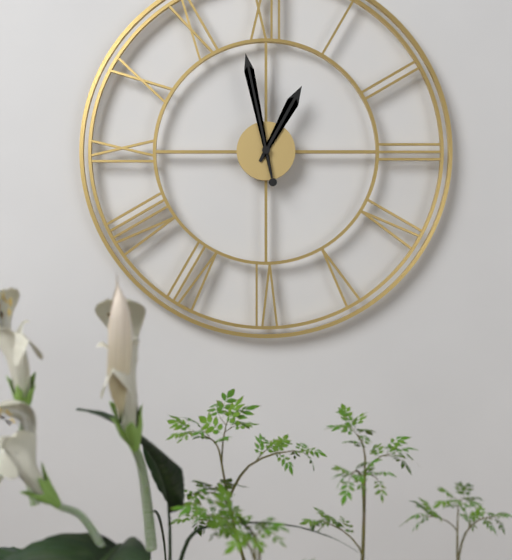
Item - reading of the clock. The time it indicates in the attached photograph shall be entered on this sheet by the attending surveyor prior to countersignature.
12:58
